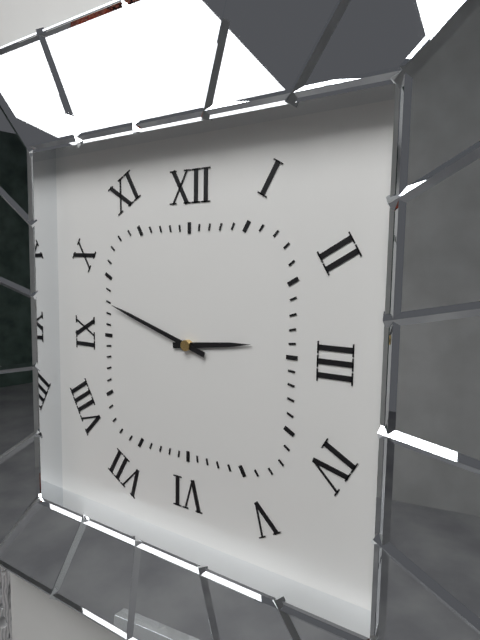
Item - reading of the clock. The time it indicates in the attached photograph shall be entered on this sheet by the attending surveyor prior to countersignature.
2:48
